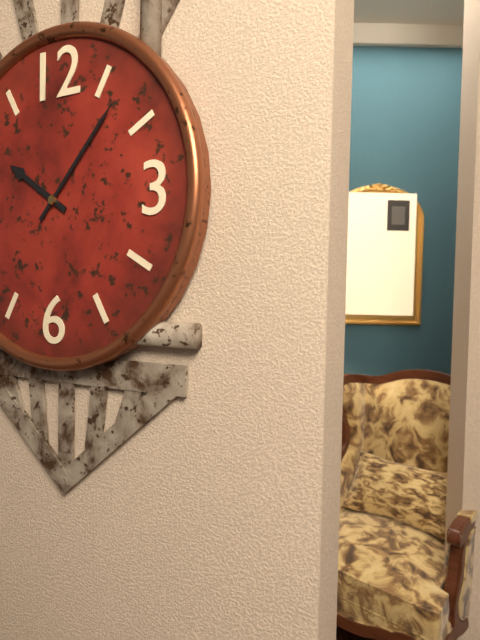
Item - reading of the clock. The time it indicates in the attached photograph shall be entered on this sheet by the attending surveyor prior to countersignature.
10:07
